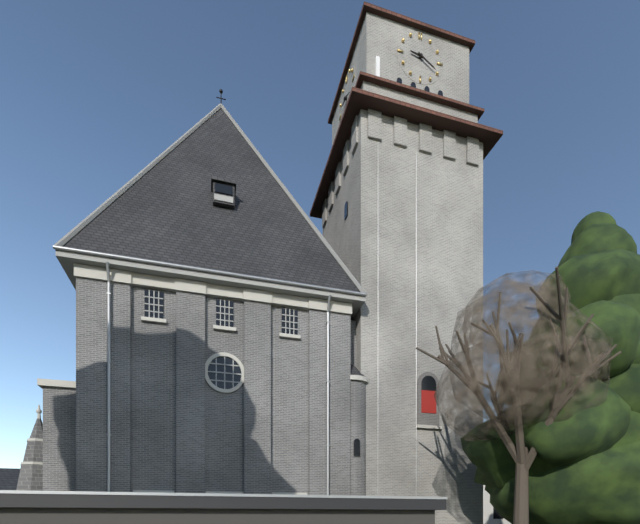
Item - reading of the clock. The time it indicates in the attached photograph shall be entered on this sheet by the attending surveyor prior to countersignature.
9:20
